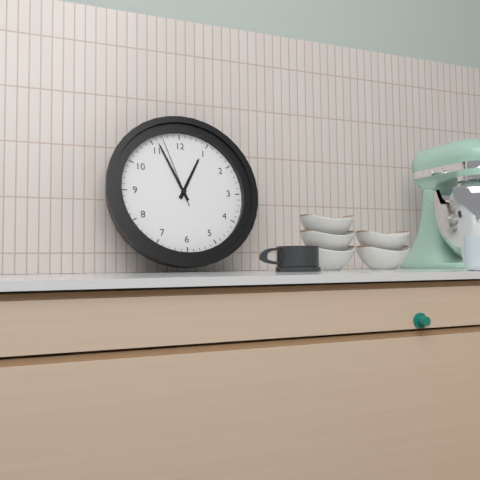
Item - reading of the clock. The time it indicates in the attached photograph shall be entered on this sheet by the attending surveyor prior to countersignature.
12:56:57
